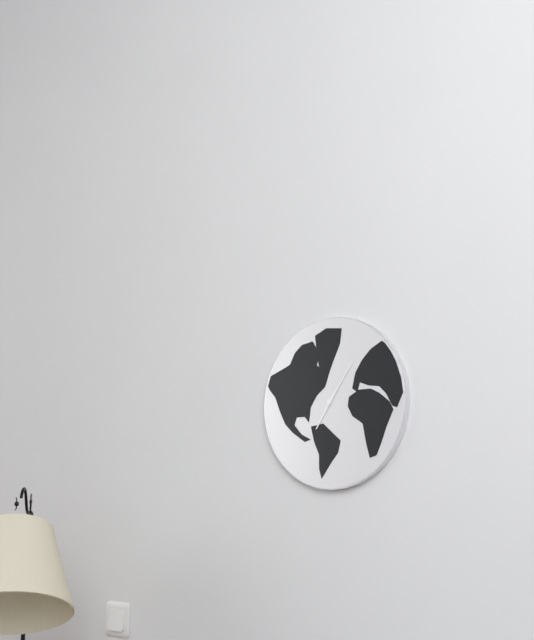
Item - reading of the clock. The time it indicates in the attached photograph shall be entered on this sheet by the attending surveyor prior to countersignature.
7:06
